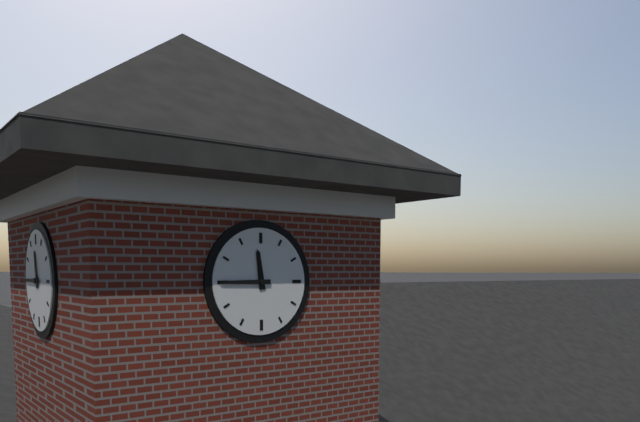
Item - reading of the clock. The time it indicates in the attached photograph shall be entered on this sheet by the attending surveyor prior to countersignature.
11:45
